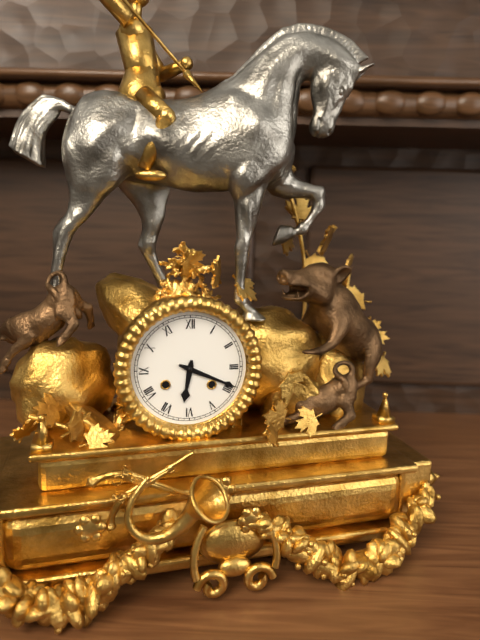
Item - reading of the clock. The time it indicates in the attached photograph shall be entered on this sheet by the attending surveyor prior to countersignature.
6:19
